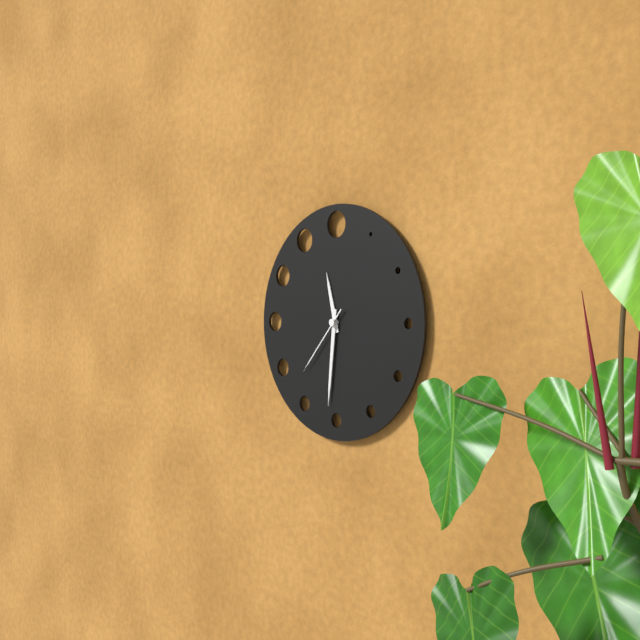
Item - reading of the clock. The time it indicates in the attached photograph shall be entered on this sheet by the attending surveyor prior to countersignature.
11:31:37
